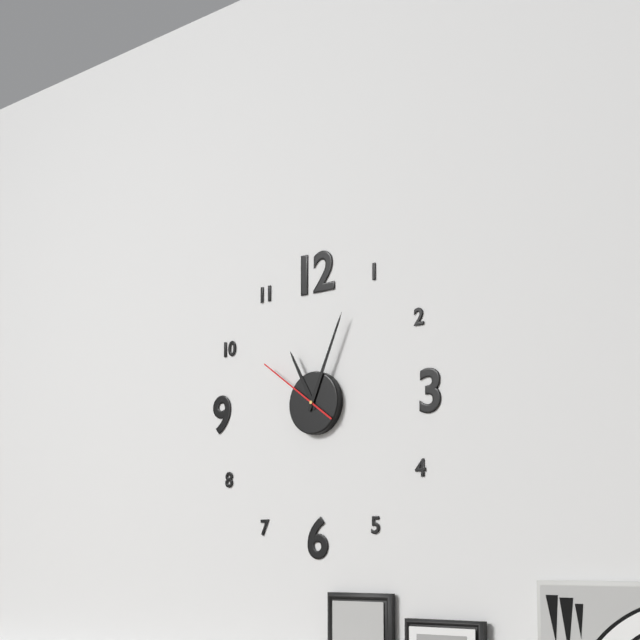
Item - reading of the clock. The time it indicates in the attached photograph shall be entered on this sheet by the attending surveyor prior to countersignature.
11:04:51
